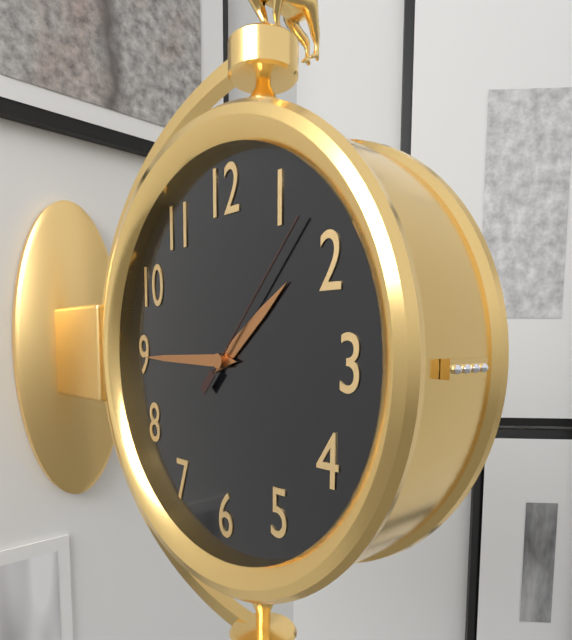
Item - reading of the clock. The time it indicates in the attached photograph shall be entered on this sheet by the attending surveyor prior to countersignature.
1:45:07
